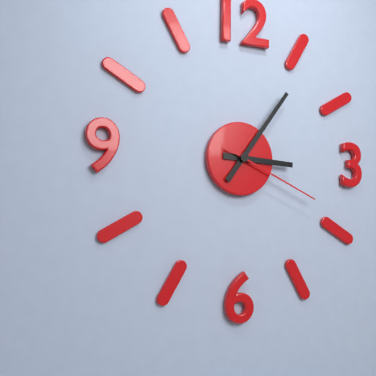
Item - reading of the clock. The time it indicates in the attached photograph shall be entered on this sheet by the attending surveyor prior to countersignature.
3:06:19
